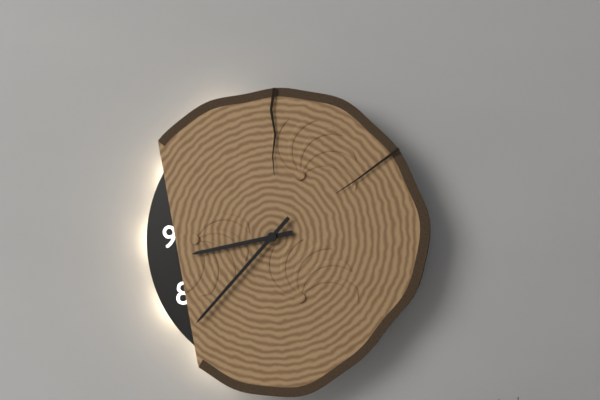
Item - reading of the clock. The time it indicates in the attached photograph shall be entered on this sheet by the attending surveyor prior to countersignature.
8:37
